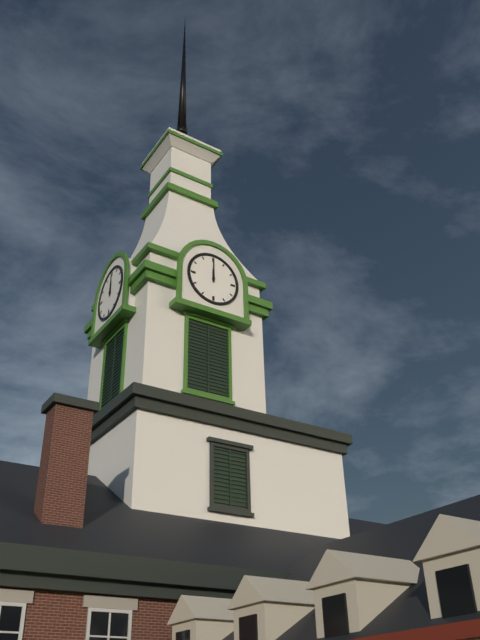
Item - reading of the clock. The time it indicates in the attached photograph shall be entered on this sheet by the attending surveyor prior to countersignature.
12:00
